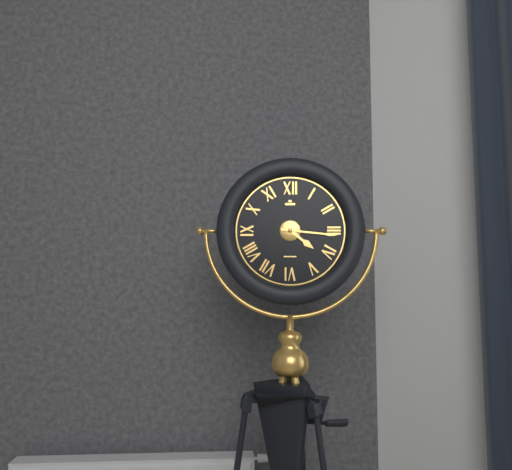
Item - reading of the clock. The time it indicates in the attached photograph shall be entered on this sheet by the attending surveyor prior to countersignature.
4:16
